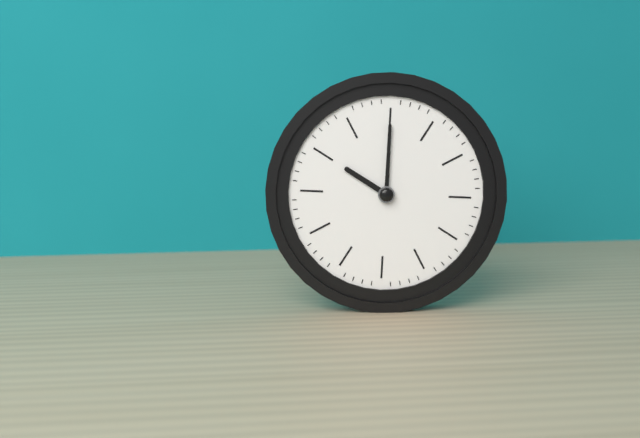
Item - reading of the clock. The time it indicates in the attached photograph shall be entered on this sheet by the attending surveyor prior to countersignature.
10:00
